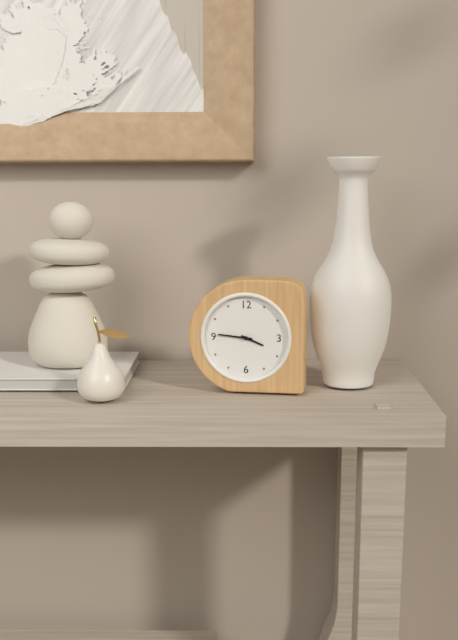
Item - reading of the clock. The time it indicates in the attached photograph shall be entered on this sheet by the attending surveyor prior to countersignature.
3:46
